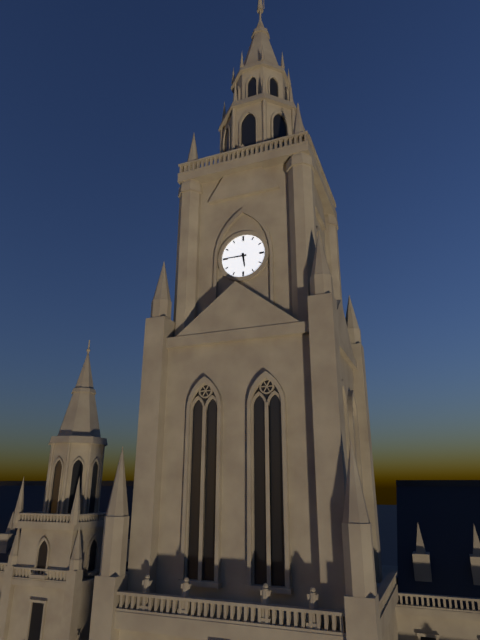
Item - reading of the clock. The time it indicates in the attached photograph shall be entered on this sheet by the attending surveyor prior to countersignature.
5:45
